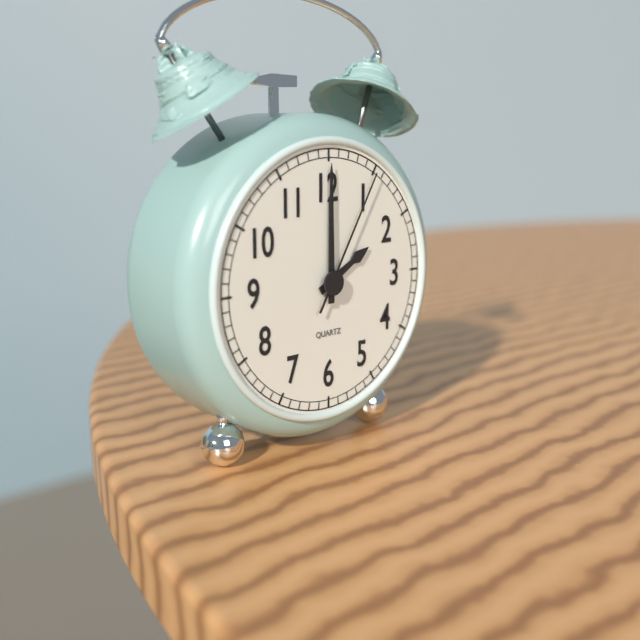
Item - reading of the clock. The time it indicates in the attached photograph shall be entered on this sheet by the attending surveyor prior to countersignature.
2:00:05
